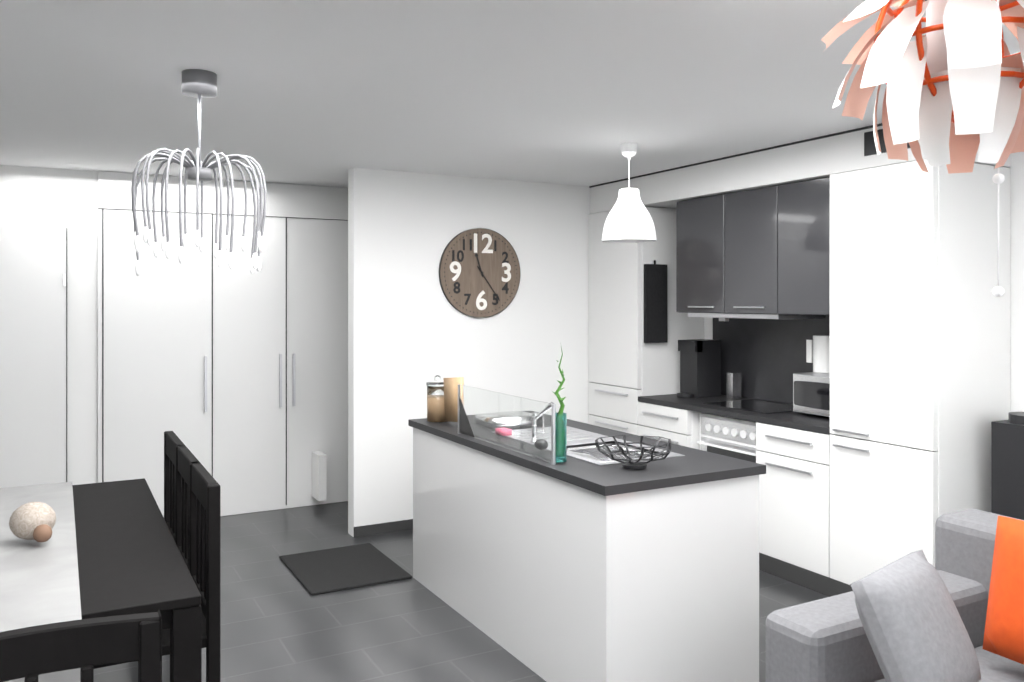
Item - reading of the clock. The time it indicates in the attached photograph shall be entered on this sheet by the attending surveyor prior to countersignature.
11:24
